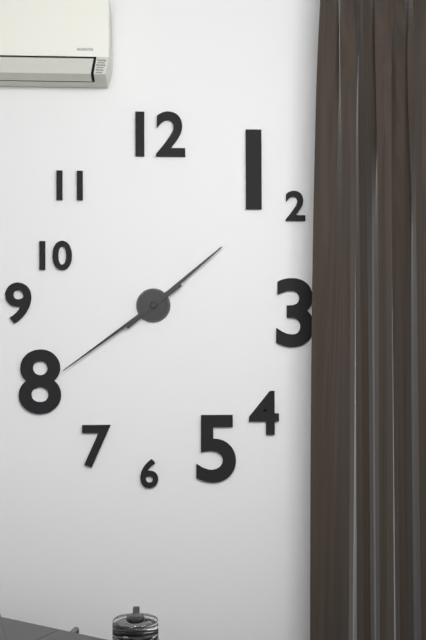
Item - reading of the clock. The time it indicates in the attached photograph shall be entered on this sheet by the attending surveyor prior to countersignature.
1:39
